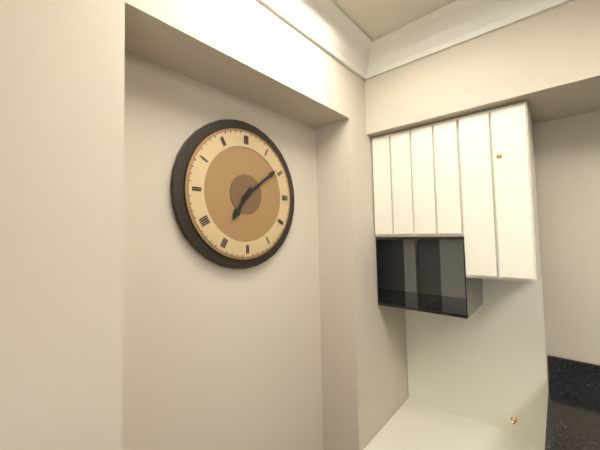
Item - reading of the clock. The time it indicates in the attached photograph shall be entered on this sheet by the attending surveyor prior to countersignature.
7:09
